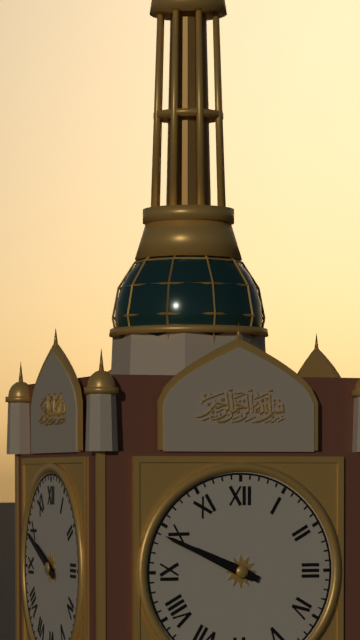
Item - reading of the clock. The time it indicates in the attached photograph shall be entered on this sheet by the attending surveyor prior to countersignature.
9:49
